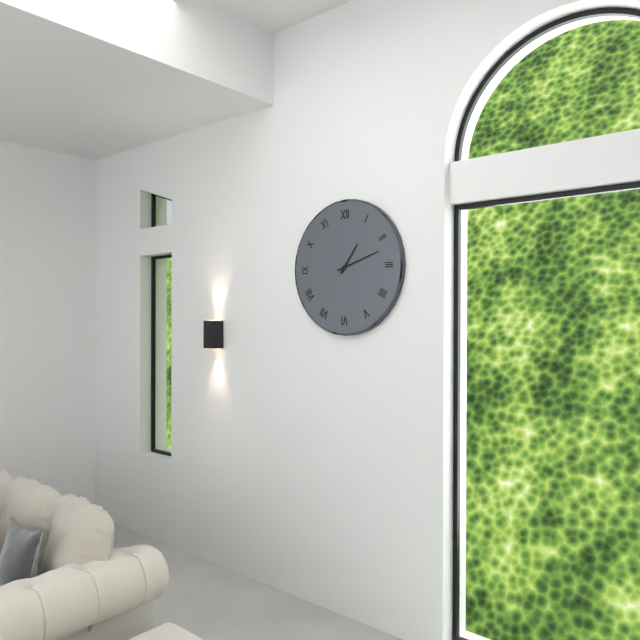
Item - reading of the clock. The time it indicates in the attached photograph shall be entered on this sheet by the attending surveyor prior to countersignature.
1:12
